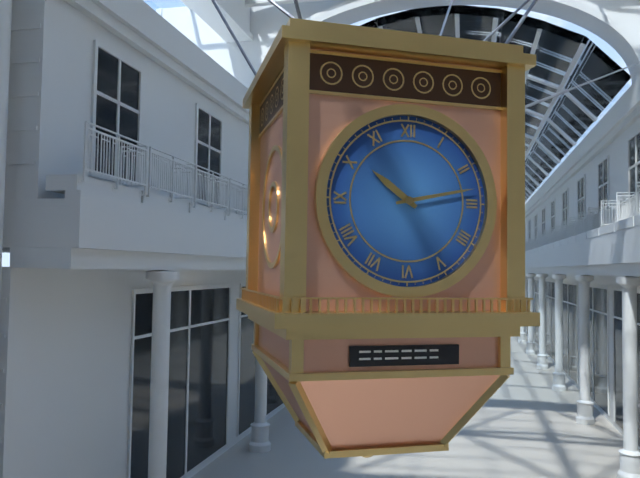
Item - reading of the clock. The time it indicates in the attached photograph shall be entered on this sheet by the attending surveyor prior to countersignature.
10:13
